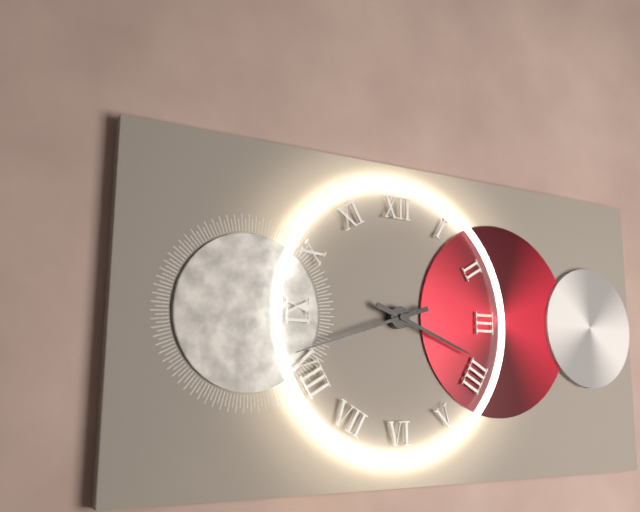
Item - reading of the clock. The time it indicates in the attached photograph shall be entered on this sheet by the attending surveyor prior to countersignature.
3:42
